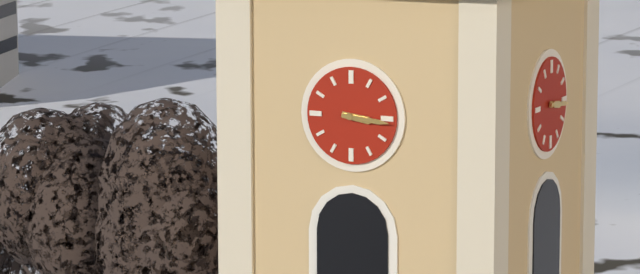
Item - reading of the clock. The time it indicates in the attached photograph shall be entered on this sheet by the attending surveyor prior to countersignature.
3:16
